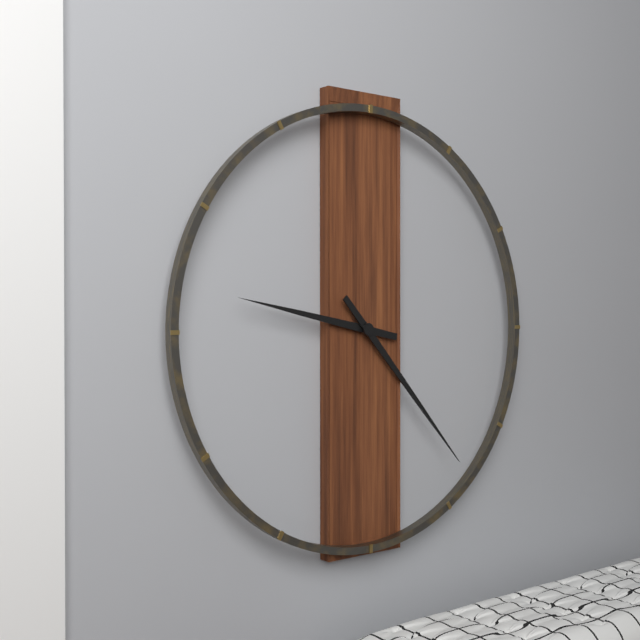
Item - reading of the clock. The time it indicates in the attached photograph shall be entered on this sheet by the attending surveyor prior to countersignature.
9:23
